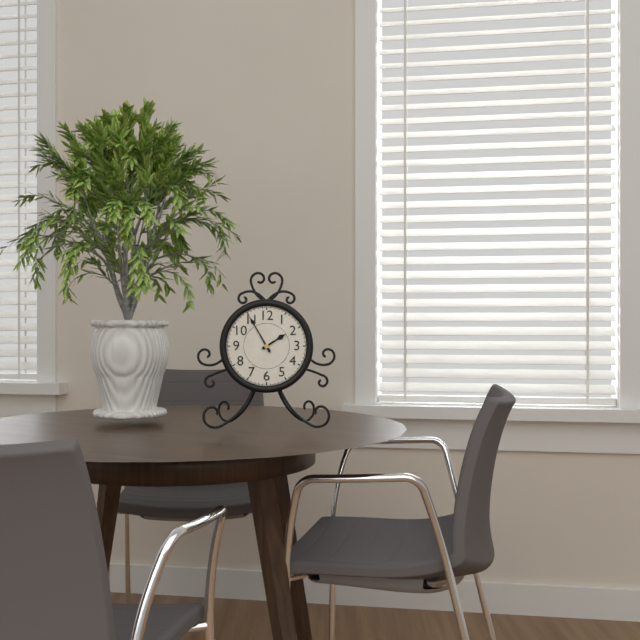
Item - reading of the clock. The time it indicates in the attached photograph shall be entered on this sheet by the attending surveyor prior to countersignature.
1:55
